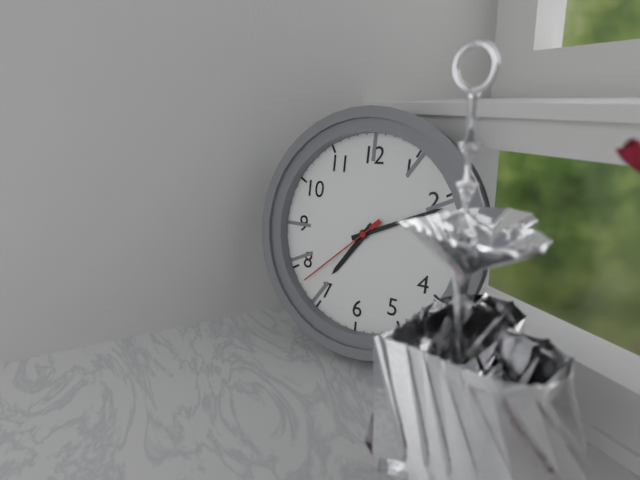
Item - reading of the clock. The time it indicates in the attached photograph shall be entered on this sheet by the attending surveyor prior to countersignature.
7:11:38
